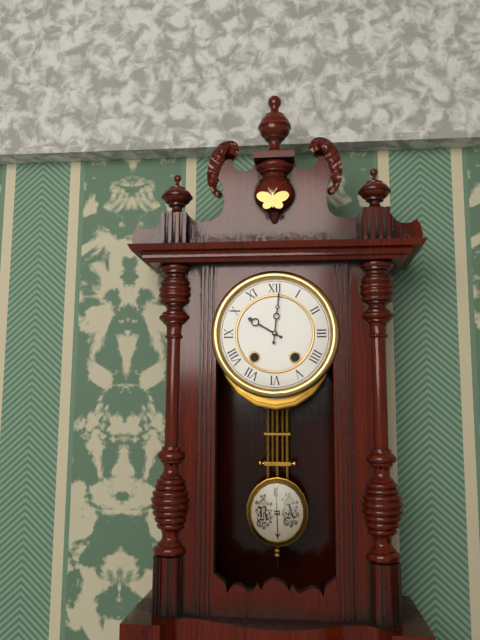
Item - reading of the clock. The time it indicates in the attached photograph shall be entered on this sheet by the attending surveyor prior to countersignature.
10:01
